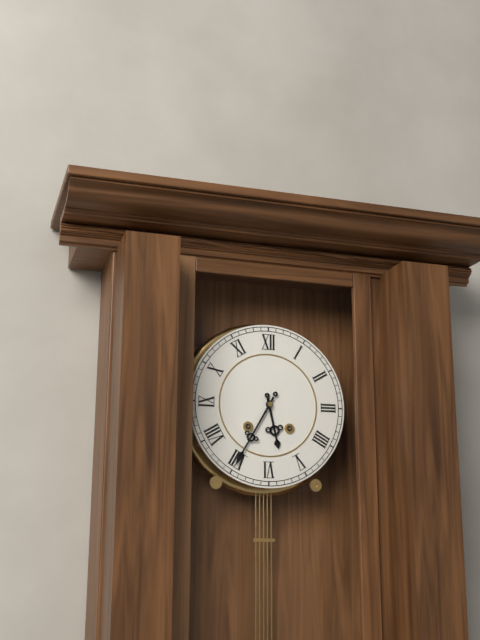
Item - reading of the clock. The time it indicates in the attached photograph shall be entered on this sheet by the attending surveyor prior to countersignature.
5:35
